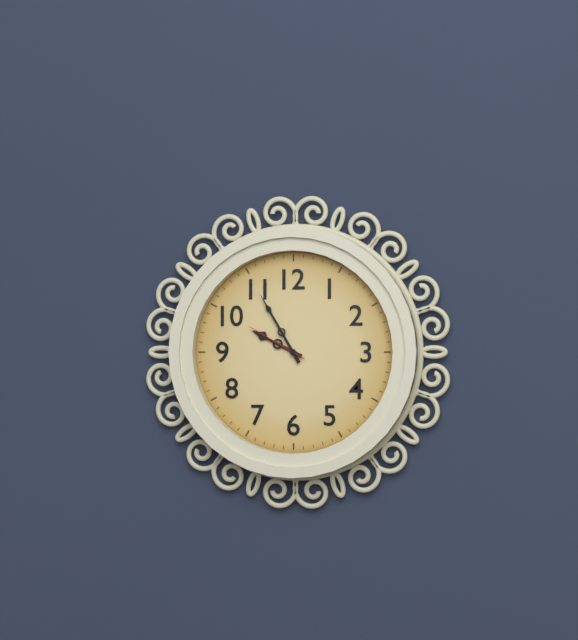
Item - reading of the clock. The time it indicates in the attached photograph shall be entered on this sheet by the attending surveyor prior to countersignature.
9:55:50
